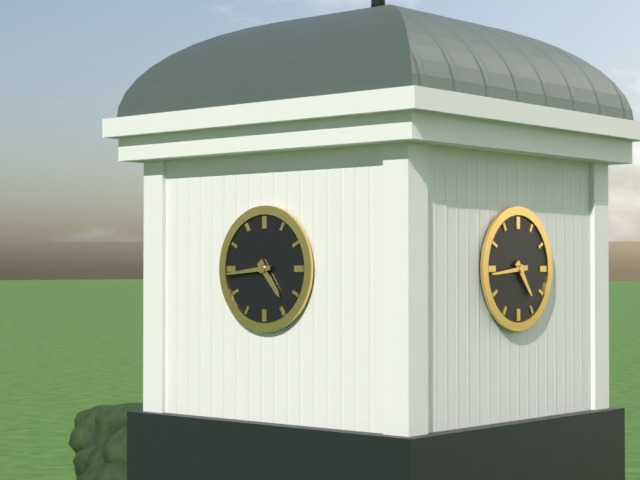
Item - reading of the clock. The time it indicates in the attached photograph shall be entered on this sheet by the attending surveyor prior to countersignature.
4:44
